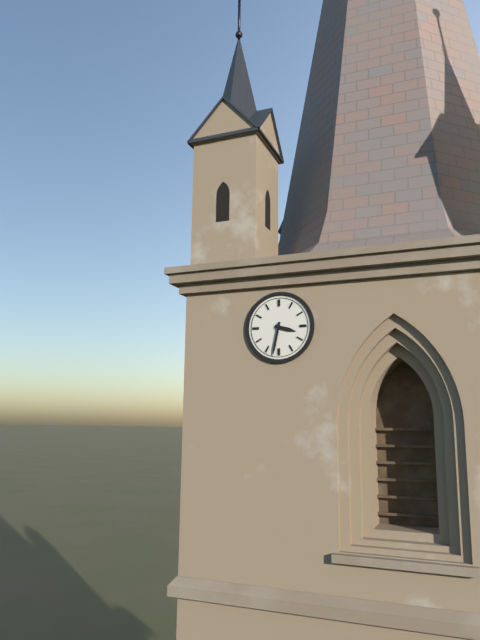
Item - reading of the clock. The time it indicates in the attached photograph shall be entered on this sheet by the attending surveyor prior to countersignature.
3:32
